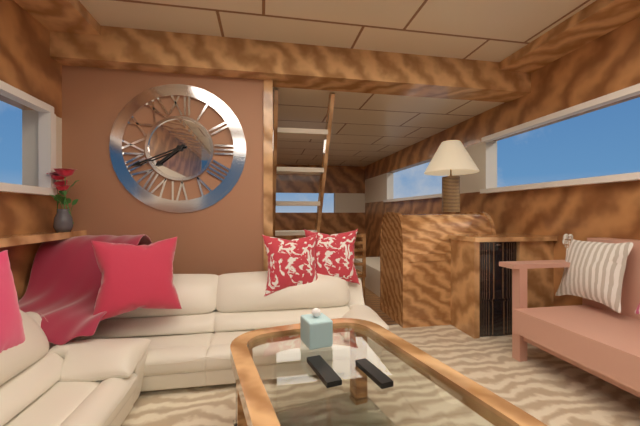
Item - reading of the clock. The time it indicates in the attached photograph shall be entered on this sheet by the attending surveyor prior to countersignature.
7:41
